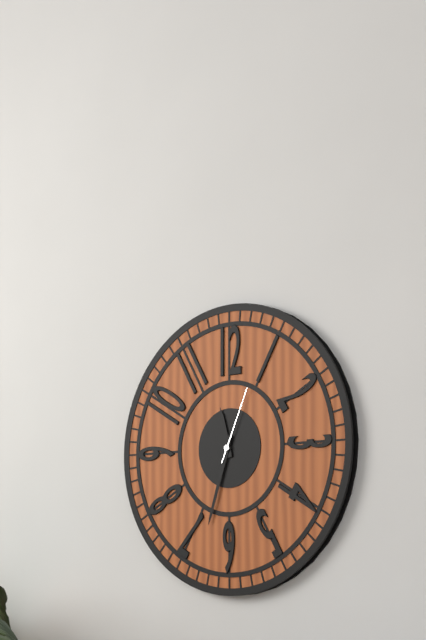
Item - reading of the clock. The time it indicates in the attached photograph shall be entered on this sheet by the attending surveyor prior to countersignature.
11:33:04
